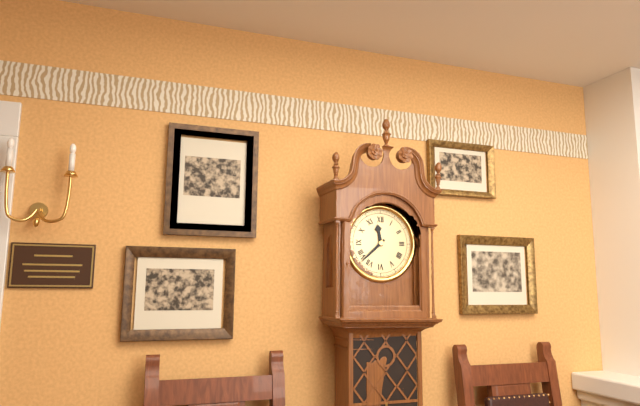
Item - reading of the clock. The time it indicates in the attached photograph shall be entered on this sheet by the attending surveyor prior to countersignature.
11:38
